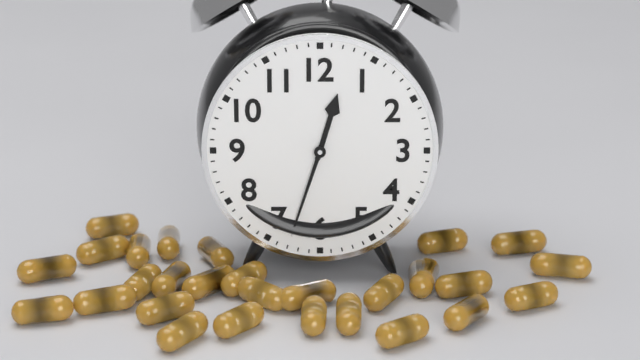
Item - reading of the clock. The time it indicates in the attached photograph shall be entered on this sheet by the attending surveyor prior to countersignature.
12:33
